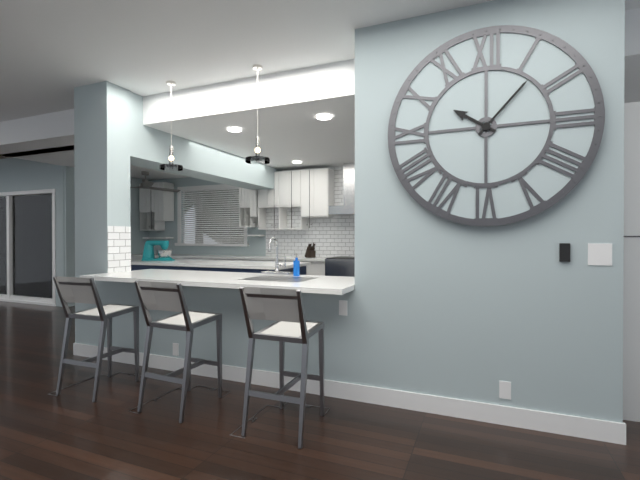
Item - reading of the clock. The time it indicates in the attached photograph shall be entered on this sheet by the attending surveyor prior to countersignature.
10:07
